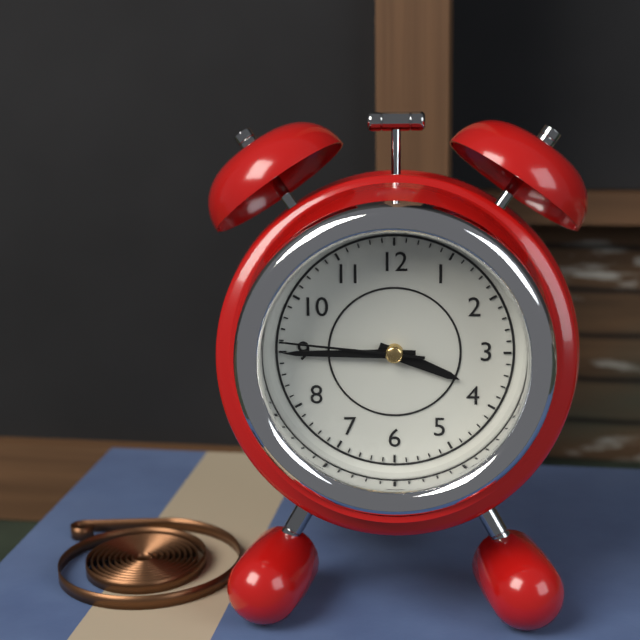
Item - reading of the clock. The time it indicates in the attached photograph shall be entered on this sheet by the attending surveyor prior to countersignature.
3:45:46
